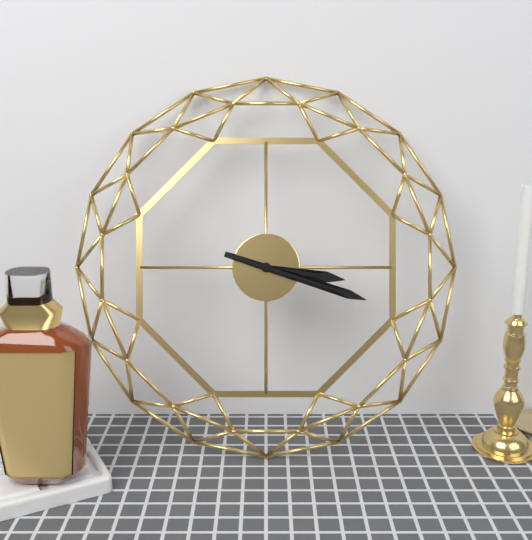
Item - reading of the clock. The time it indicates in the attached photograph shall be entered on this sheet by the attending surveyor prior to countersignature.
3:18
